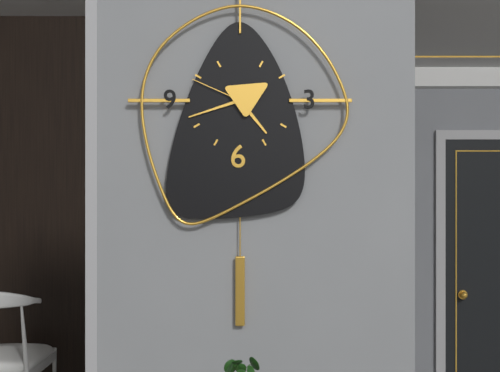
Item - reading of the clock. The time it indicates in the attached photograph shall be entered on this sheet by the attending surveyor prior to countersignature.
4:42:49
